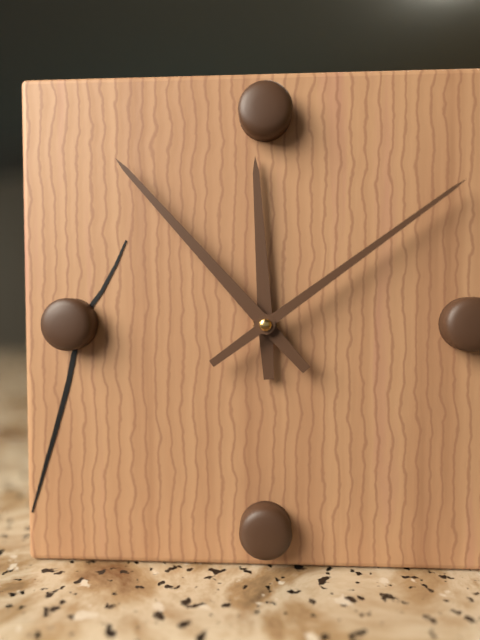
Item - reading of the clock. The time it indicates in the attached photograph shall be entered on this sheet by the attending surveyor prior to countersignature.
11:53:09
